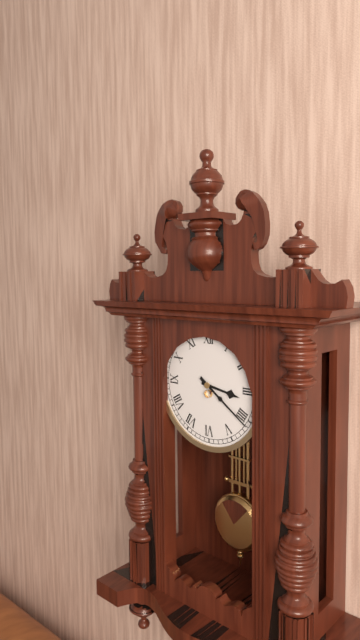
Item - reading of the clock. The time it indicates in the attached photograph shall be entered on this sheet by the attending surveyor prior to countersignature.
3:21
